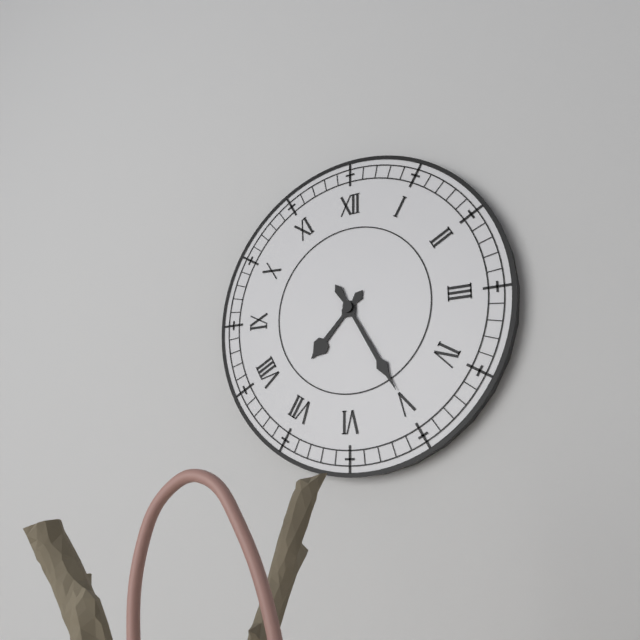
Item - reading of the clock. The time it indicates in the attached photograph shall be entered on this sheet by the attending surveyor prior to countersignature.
7:25
